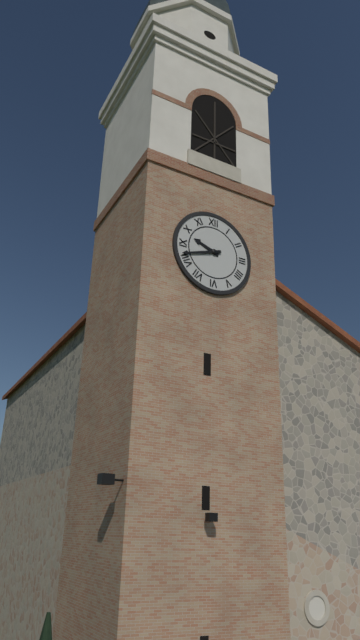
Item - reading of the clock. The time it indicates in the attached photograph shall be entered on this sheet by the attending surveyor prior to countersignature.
9:42
